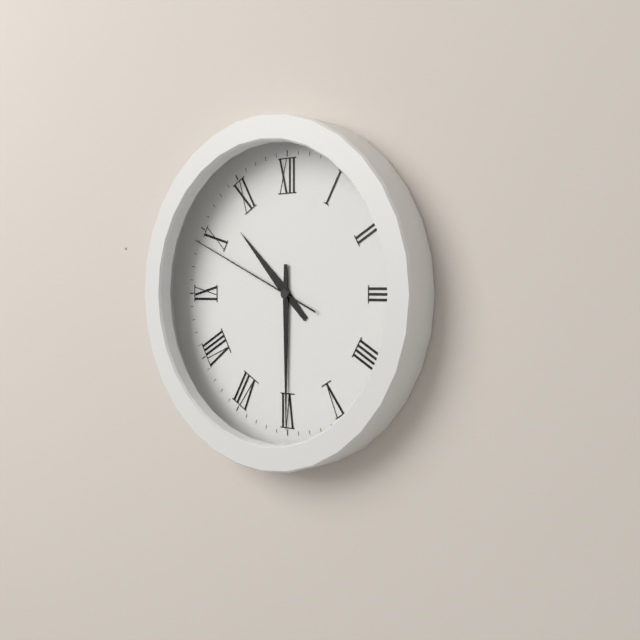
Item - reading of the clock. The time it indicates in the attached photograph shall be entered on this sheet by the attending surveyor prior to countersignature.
10:30:49
